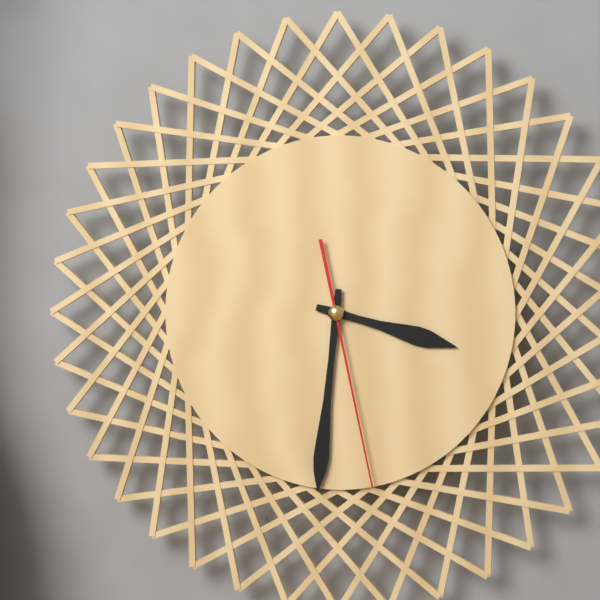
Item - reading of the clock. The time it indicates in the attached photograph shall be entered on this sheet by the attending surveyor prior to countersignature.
3:31:28
